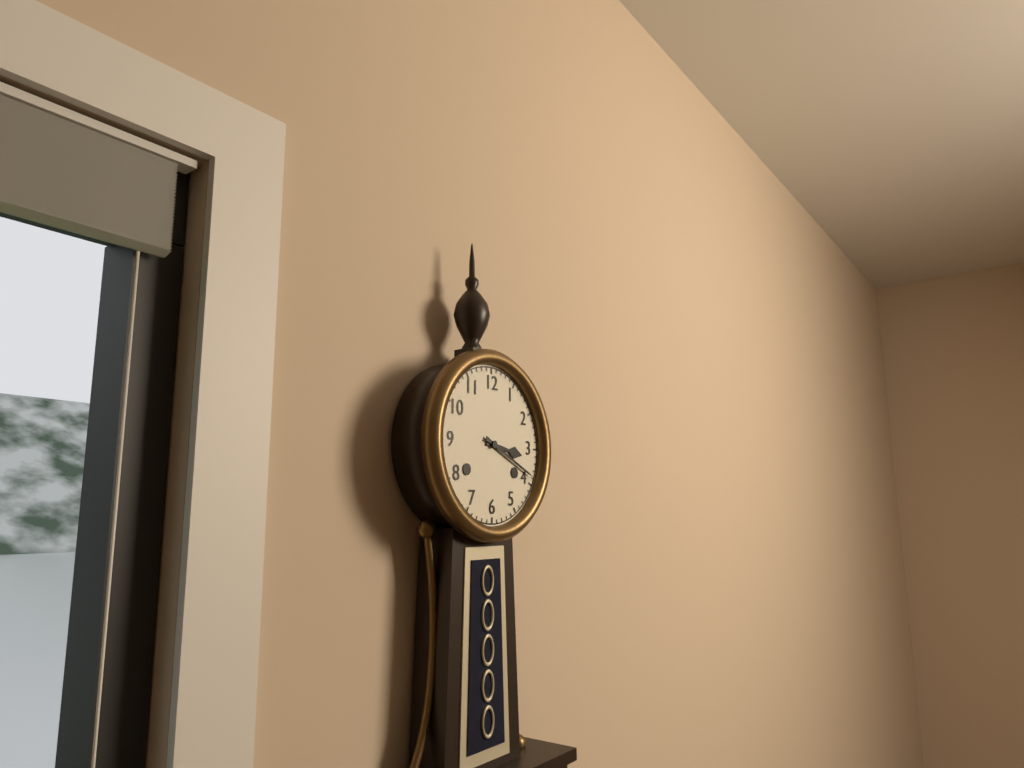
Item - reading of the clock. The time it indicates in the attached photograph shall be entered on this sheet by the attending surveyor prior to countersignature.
3:19
